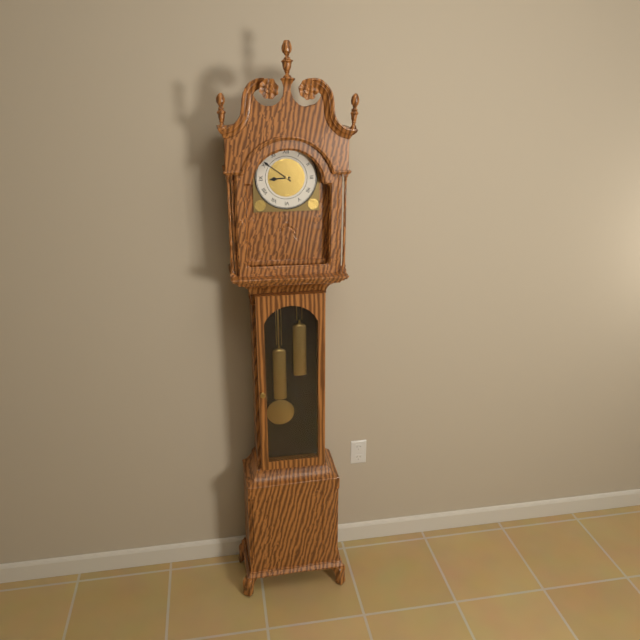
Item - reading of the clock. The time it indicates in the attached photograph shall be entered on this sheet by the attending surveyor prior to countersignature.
8:51
